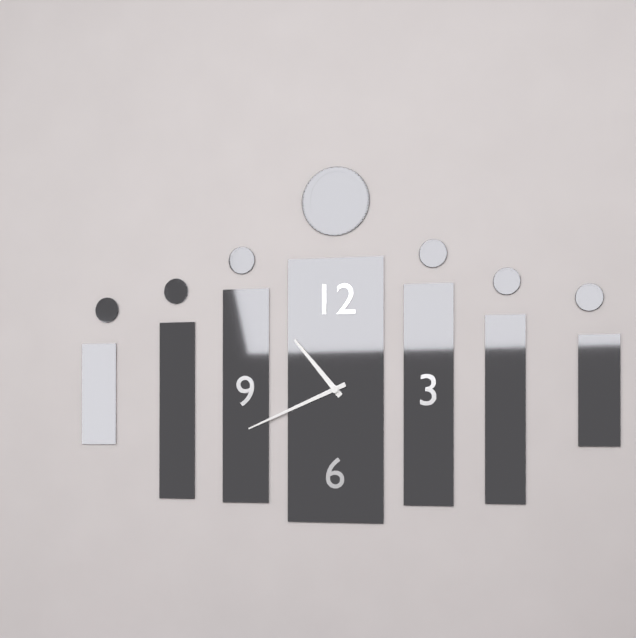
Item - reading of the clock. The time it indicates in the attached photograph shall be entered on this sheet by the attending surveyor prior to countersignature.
10:41
